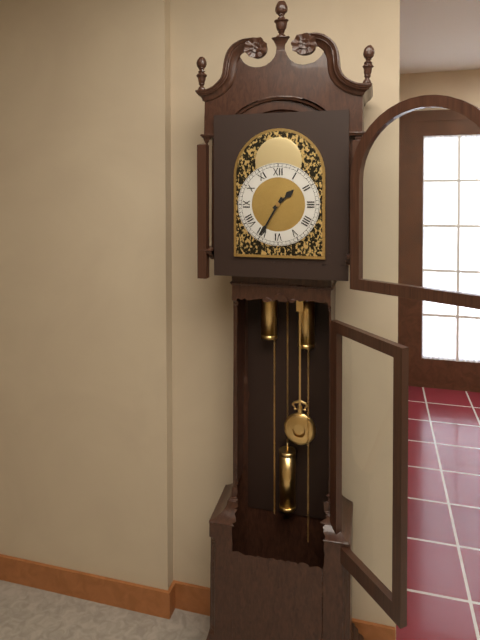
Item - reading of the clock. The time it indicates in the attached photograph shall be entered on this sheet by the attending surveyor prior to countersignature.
1:35
